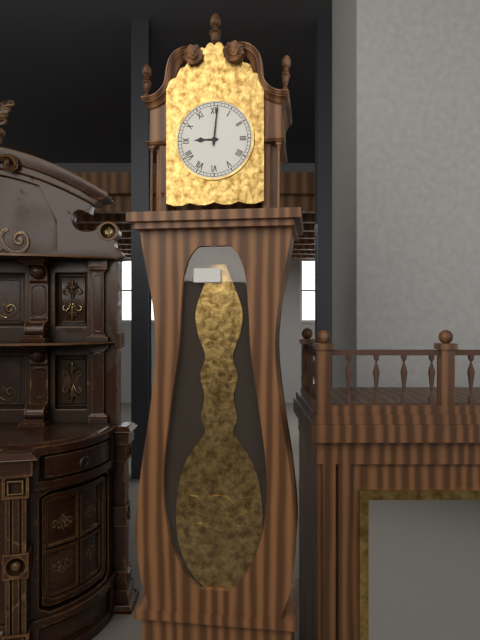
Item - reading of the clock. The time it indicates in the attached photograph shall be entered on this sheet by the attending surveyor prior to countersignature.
9:01
